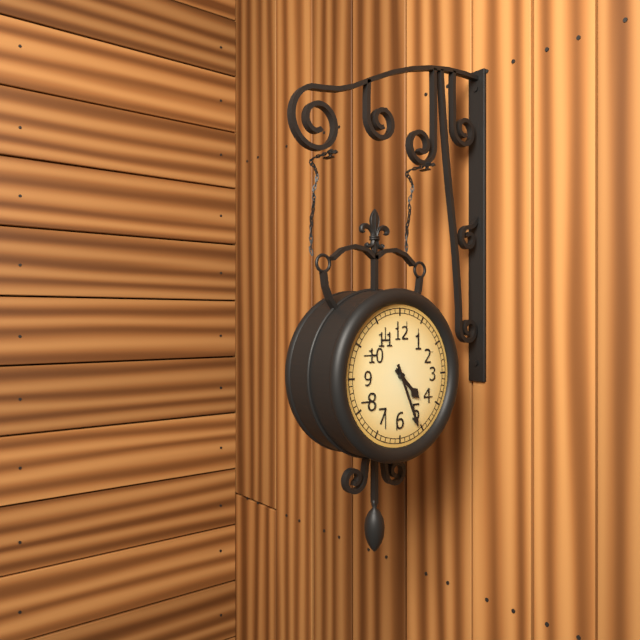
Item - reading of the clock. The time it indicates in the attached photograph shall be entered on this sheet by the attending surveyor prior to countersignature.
4:26
